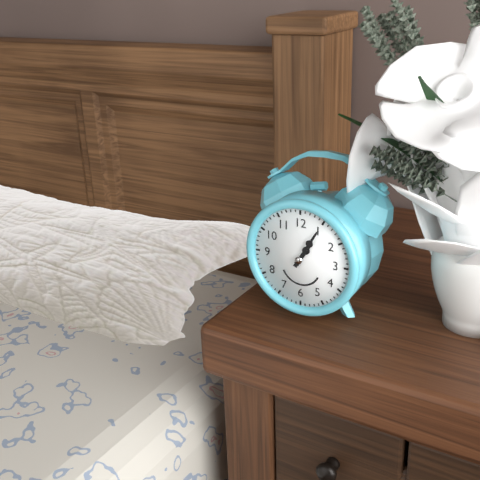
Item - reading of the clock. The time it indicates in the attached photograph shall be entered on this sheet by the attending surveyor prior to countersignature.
1:05
